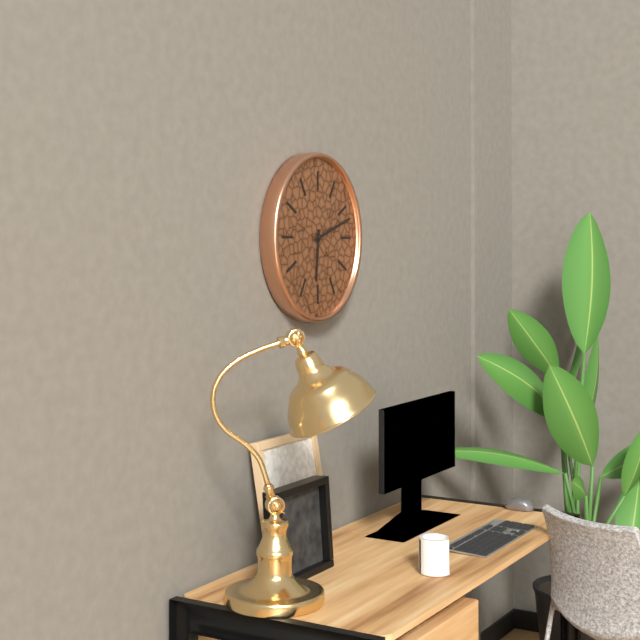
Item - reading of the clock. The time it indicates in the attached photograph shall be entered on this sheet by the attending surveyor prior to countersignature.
6:12
